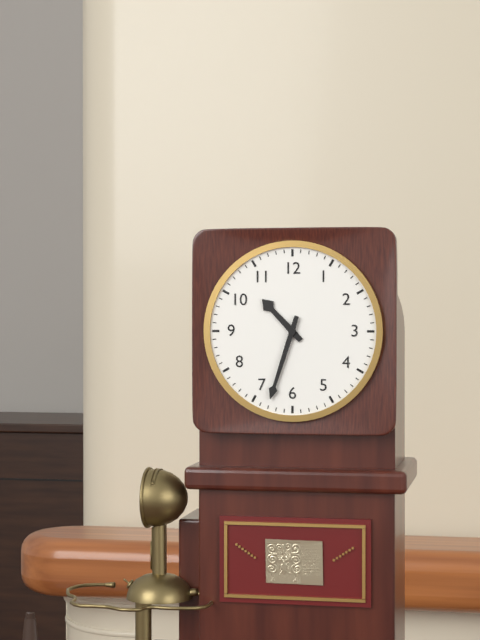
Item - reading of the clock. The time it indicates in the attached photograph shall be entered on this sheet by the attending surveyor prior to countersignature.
10:33
